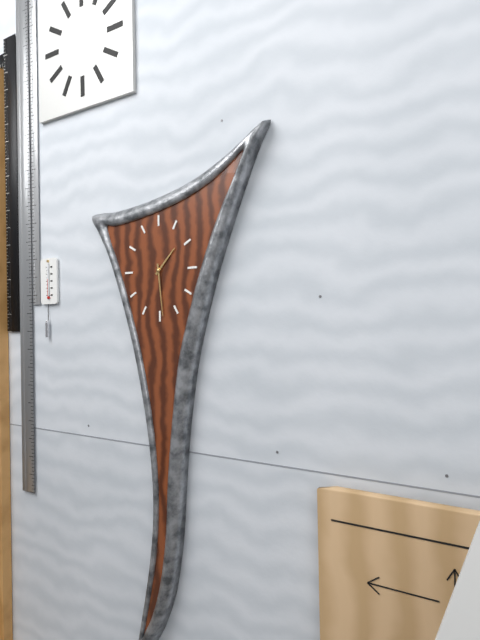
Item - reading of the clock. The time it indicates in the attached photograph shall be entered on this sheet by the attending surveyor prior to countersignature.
1:29
